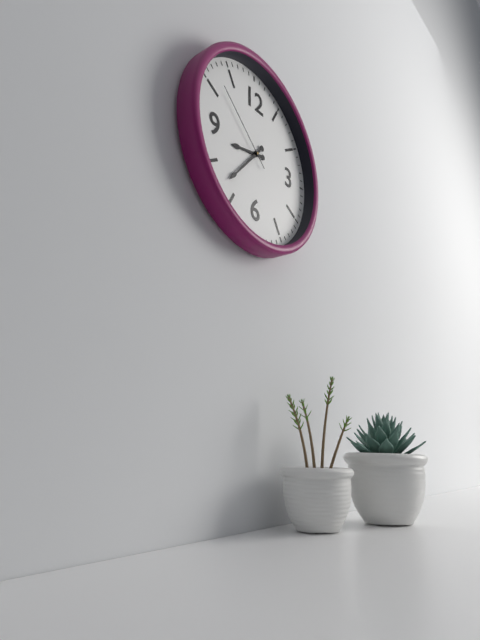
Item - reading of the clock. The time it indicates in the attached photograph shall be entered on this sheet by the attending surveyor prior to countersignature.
8:37:52
